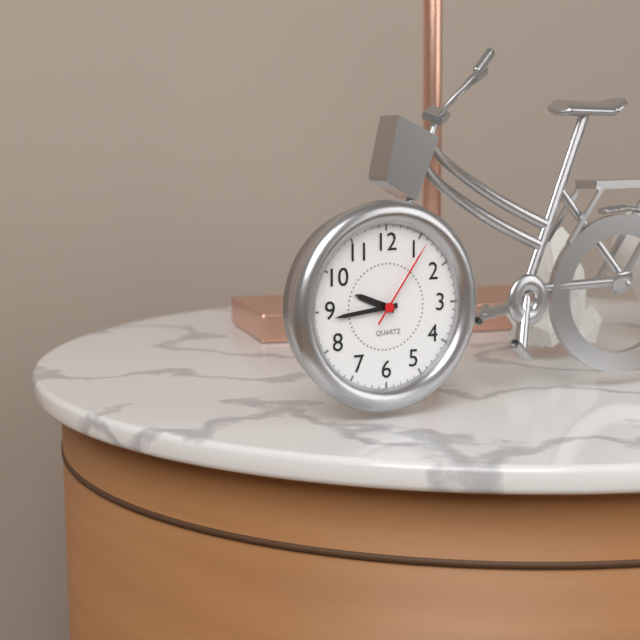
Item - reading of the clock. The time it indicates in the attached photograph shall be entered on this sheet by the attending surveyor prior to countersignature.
9:44:06
